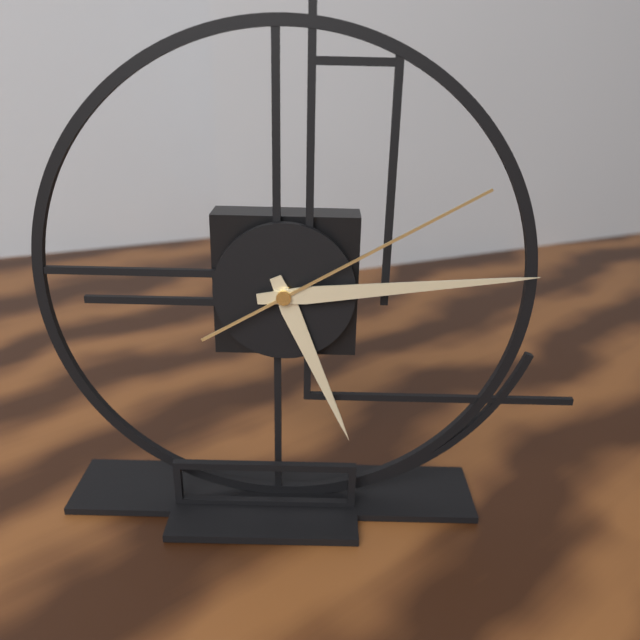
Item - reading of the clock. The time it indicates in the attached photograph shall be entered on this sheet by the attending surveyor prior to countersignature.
5:14:10
